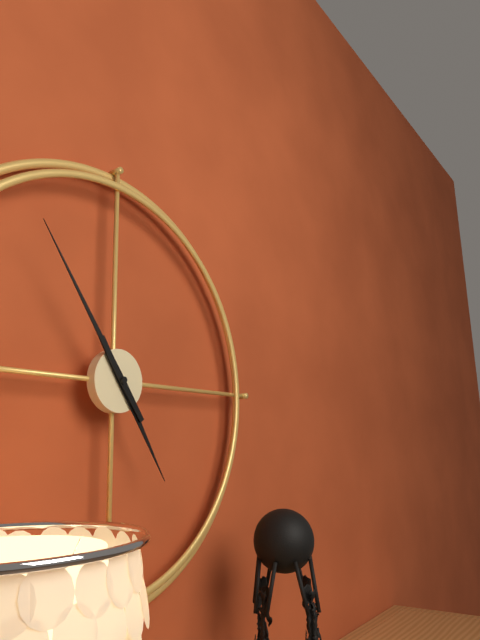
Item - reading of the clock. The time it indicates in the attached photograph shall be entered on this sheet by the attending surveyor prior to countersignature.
4:54
